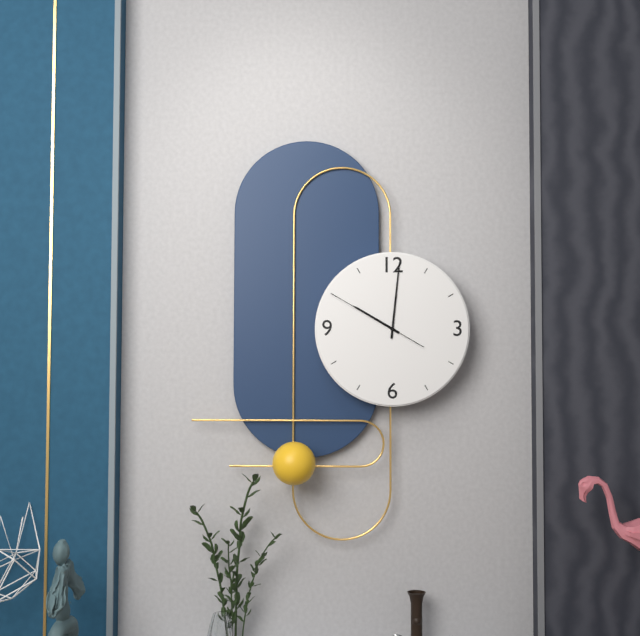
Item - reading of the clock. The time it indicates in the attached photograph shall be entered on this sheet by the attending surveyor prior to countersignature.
10:01:50
